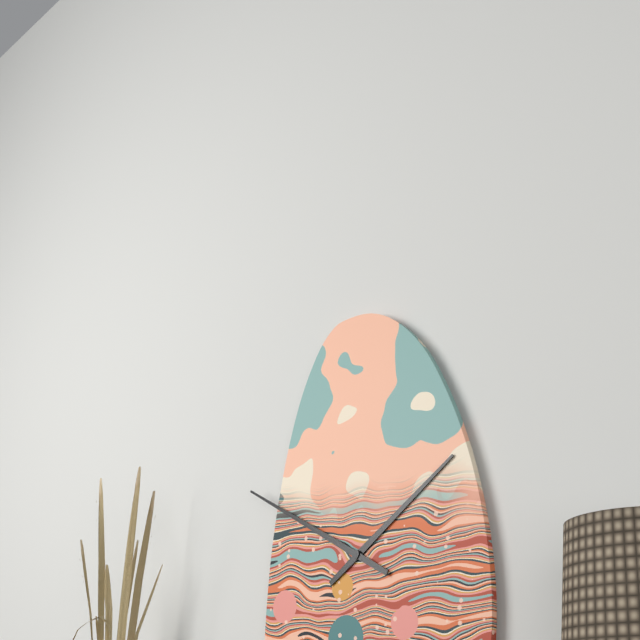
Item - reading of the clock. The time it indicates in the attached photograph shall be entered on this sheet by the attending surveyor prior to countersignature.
1:50
